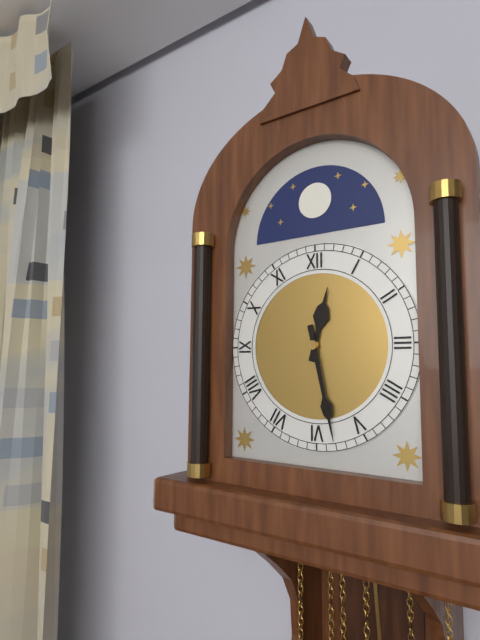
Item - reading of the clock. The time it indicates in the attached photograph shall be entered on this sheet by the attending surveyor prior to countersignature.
12:28
